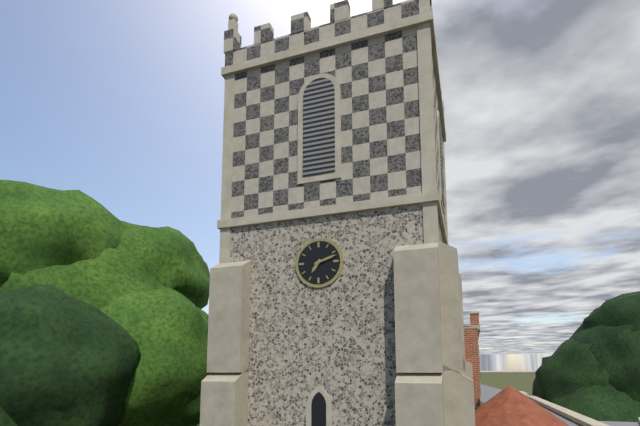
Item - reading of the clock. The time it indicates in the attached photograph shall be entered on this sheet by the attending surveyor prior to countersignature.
7:12
